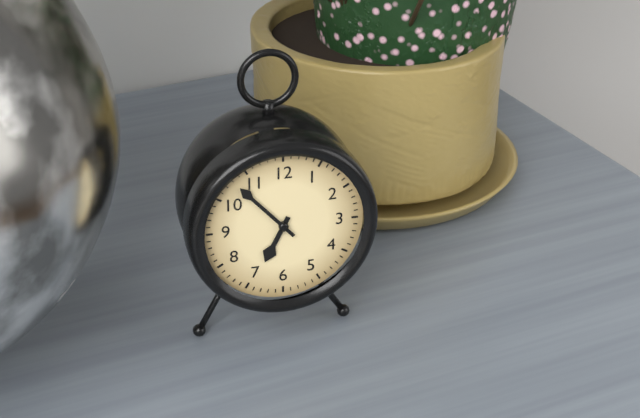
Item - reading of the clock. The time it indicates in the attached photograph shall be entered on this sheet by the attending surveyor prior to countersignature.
6:53
